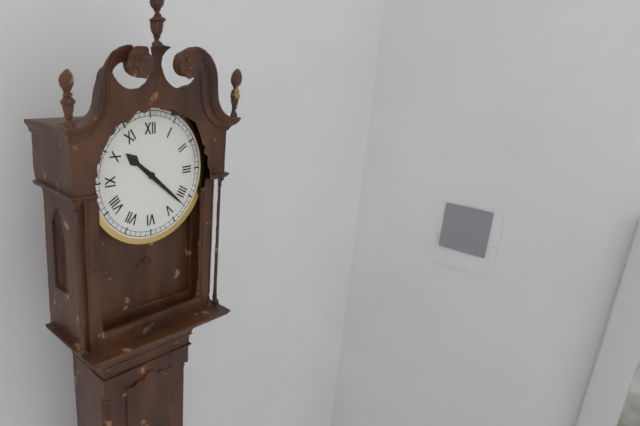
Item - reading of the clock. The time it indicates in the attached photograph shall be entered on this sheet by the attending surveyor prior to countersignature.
10:22
